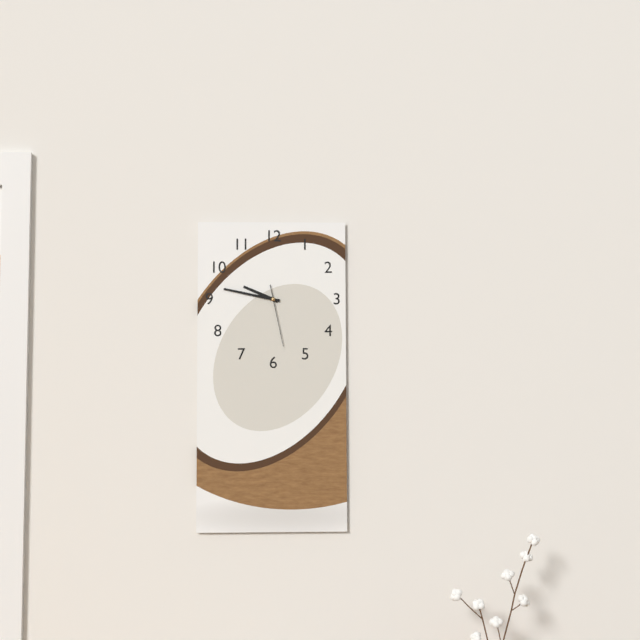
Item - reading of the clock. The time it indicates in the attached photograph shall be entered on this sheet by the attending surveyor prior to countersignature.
9:47:28
